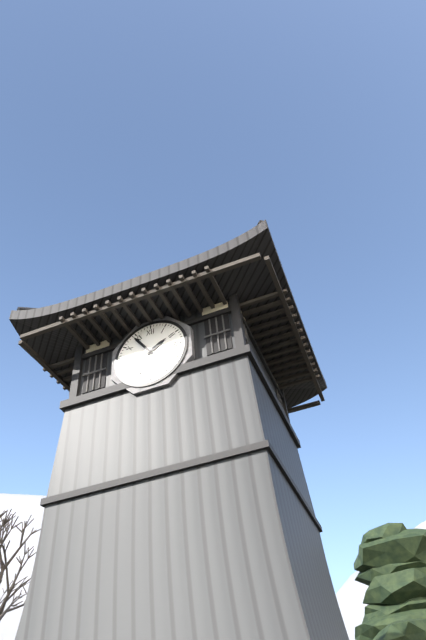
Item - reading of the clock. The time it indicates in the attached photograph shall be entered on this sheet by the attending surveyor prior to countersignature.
1:54
